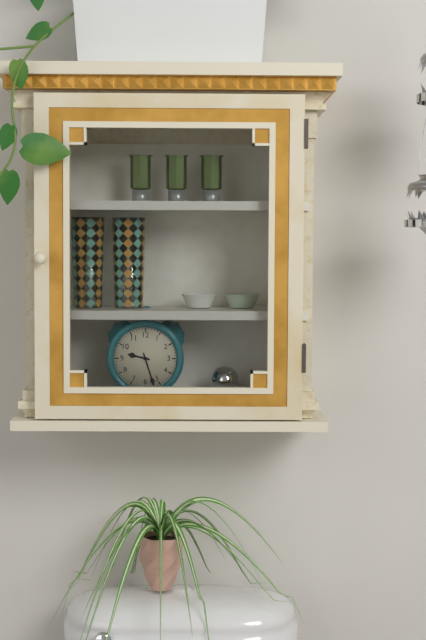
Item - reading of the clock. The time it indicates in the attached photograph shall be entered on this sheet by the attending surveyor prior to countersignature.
9:27
